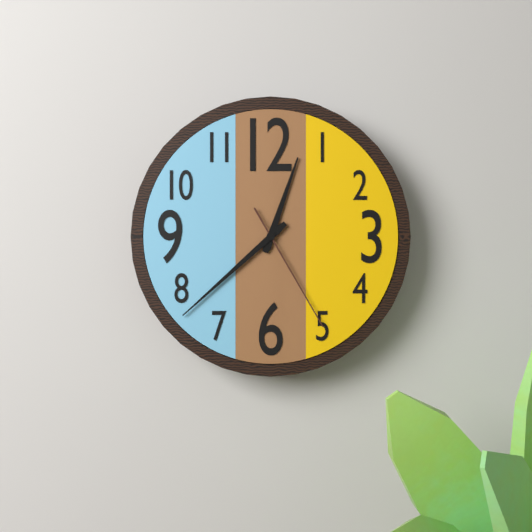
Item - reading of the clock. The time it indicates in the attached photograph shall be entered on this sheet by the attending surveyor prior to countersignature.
12:38:25
